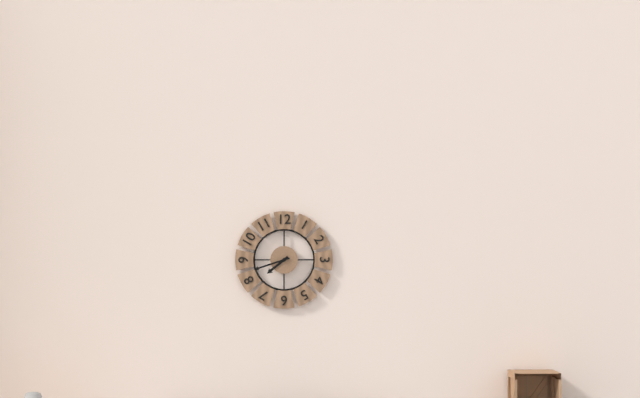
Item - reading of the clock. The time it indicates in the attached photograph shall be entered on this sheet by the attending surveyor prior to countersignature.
7:42
